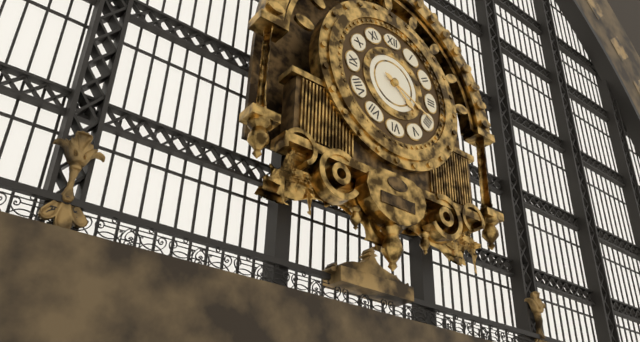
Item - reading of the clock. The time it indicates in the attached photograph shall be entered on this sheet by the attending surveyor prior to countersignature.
4:19
